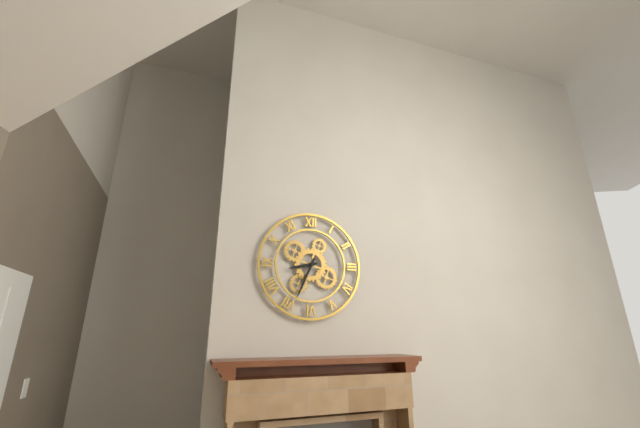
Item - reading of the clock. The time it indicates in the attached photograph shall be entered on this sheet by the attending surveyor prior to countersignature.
8:34
